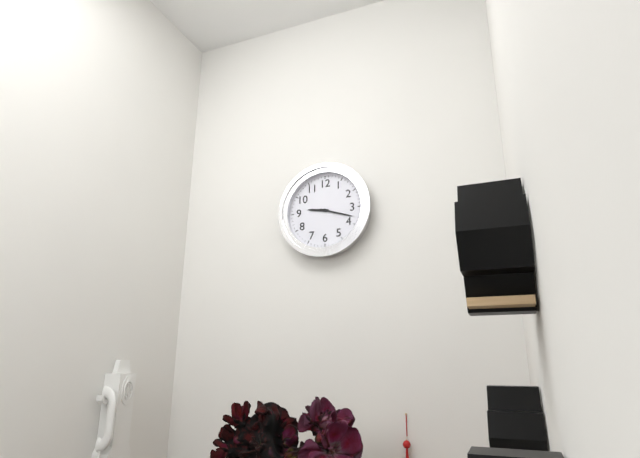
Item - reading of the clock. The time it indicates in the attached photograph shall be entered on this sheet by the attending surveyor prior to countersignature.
9:18
